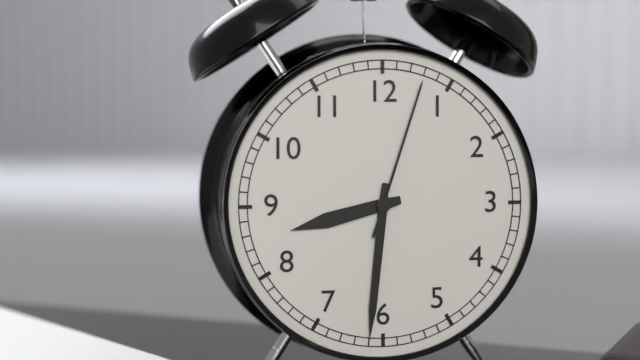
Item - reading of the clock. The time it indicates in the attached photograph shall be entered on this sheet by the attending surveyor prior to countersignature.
8:31:03
